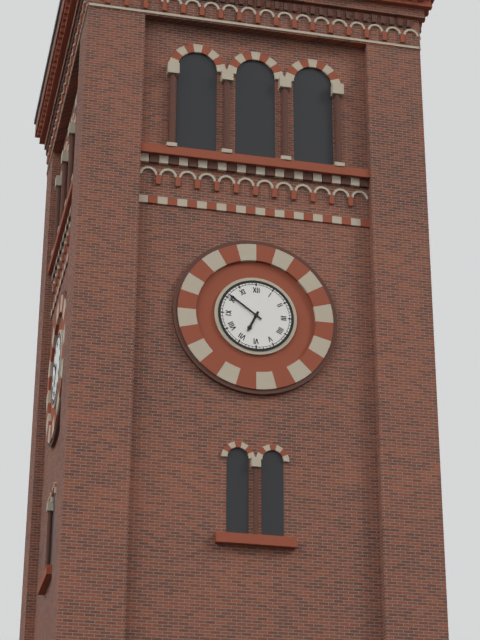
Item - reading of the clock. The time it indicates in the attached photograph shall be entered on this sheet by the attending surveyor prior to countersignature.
6:51
